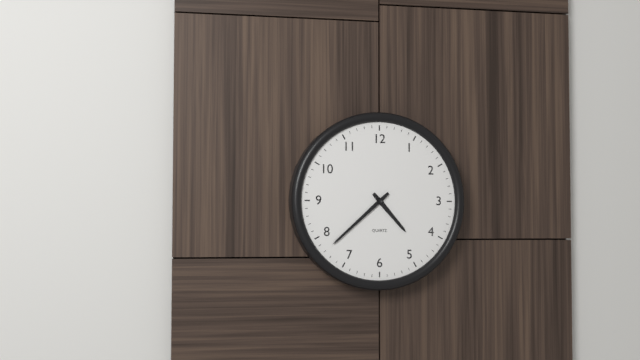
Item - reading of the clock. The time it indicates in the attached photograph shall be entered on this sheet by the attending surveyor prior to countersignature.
4:38
